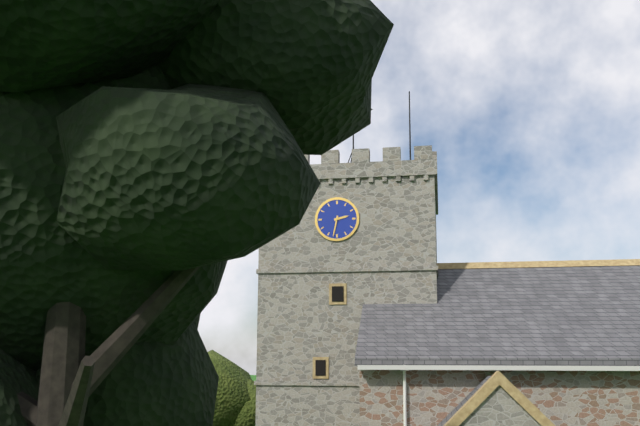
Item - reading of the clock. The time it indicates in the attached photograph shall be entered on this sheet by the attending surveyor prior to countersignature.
2:32
